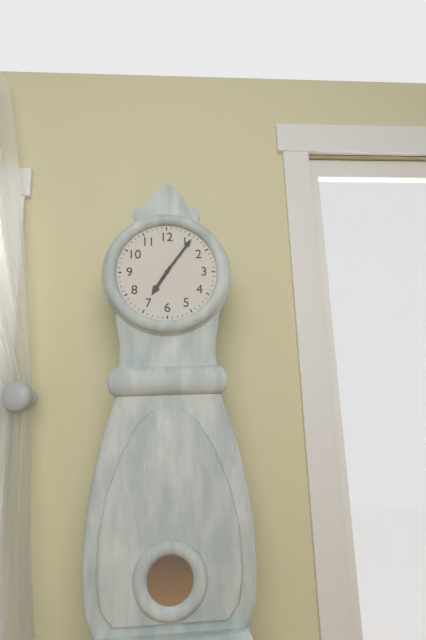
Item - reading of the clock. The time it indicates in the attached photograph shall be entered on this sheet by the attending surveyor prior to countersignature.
7:06
